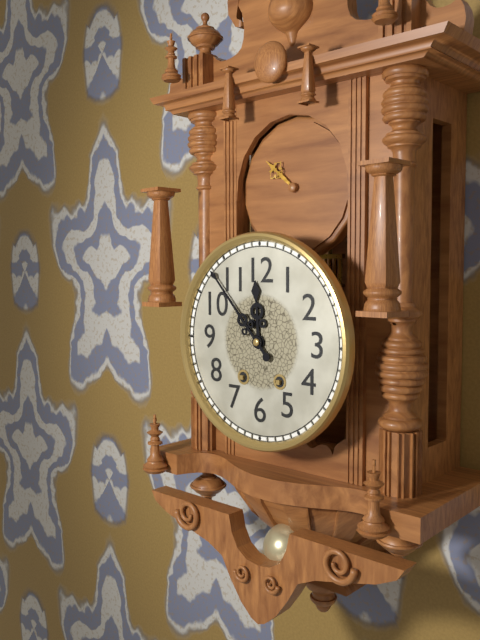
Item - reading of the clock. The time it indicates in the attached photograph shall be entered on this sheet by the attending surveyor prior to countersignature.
11:53
